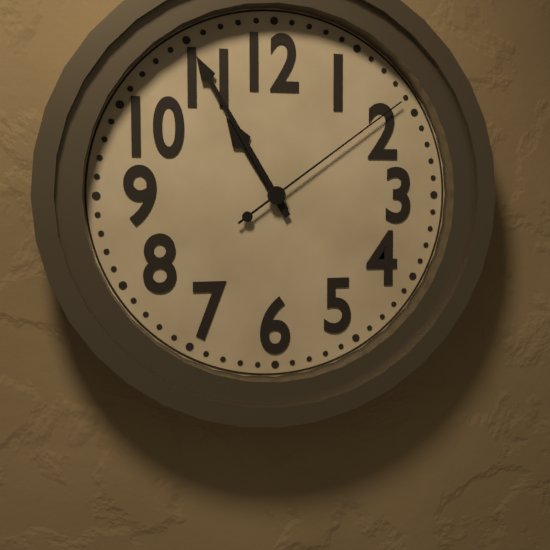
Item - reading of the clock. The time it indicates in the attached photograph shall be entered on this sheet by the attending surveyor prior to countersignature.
10:55:09
